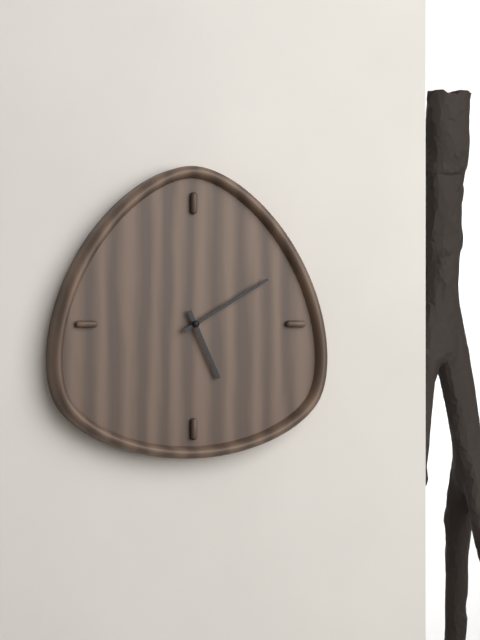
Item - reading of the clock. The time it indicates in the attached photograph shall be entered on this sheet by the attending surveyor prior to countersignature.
5:10
